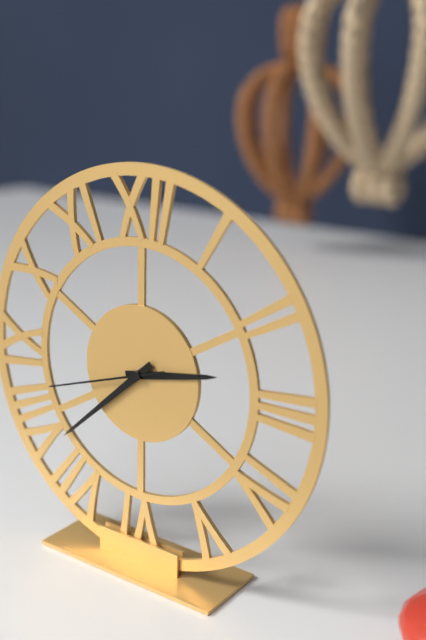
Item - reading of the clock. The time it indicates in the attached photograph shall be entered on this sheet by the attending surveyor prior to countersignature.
2:38:42
